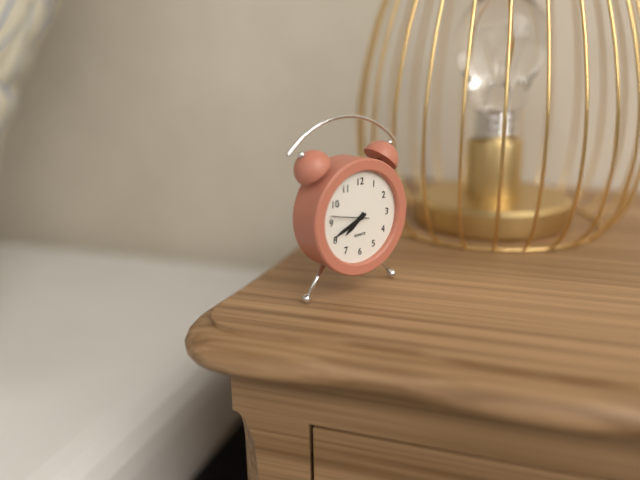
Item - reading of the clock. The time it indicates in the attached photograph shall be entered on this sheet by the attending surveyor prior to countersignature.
7:41
